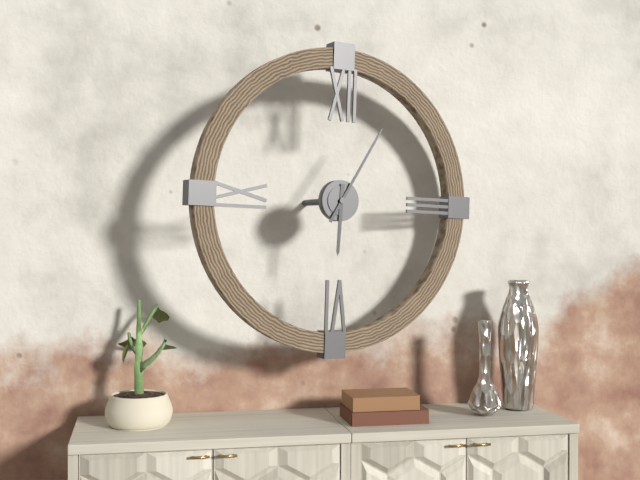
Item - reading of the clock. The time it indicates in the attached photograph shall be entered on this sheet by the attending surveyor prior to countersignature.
6:05
